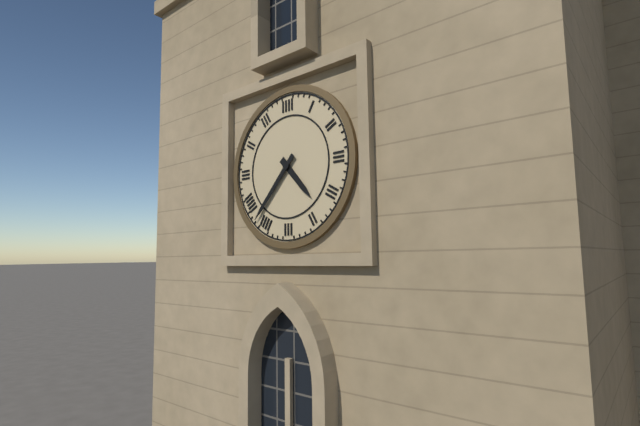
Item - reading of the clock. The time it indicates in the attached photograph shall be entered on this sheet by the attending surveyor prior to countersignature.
4:37
